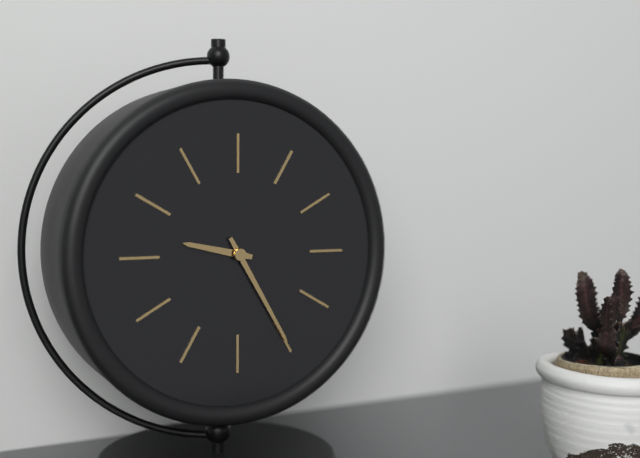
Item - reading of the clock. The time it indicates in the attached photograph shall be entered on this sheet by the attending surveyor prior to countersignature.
9:25
